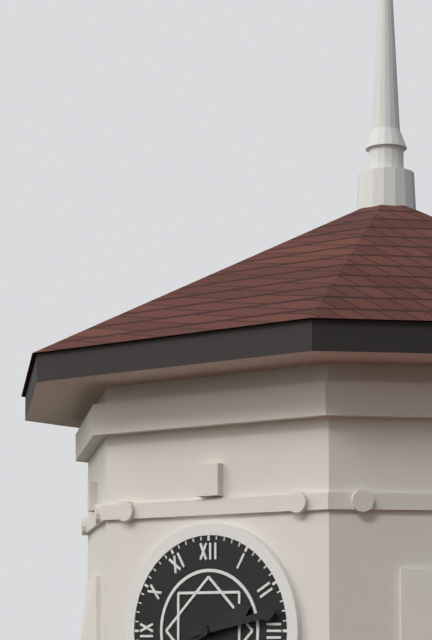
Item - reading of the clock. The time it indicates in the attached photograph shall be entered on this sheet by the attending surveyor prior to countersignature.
2:13
